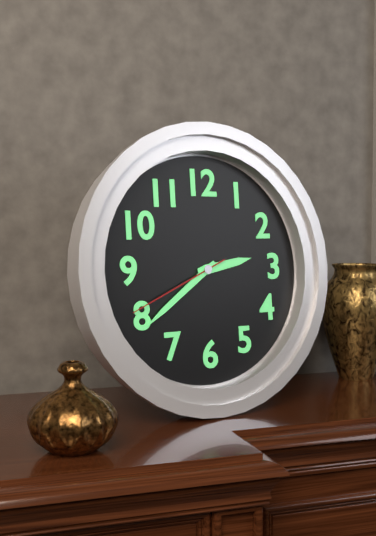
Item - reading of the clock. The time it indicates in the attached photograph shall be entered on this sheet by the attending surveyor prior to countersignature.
2:39:41
